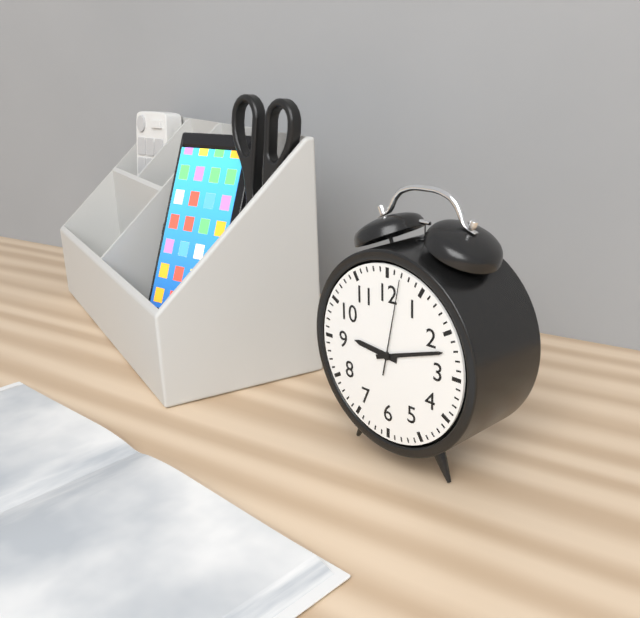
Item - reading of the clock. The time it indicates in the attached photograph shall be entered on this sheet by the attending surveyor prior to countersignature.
9:12:02
